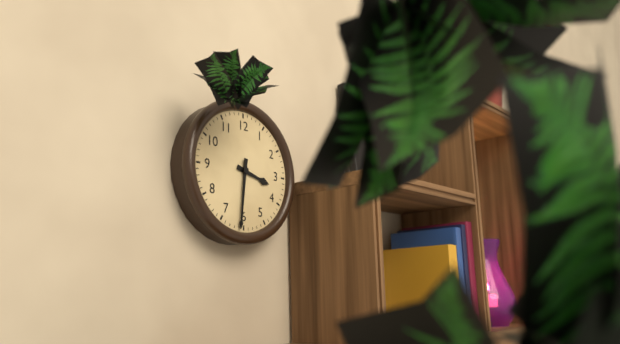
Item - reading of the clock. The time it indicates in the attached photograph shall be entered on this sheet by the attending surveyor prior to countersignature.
3:31
